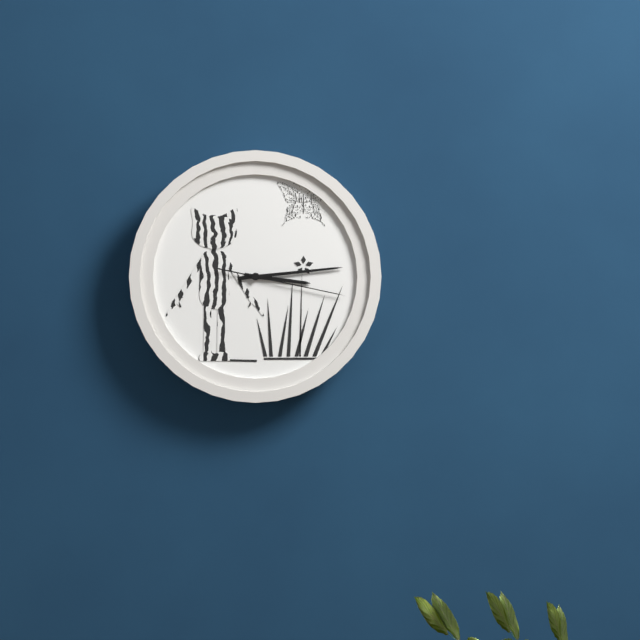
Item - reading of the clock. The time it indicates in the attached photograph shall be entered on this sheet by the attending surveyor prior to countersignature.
3:14:17
